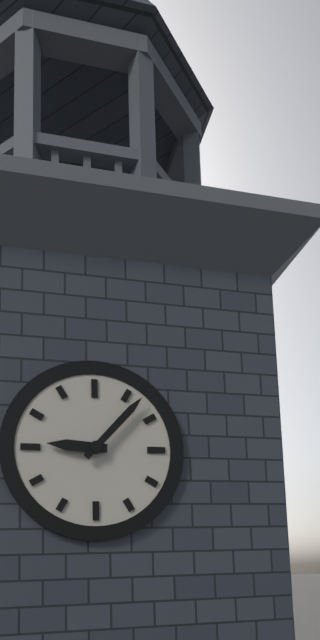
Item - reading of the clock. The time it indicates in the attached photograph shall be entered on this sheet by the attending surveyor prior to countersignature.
9:07
